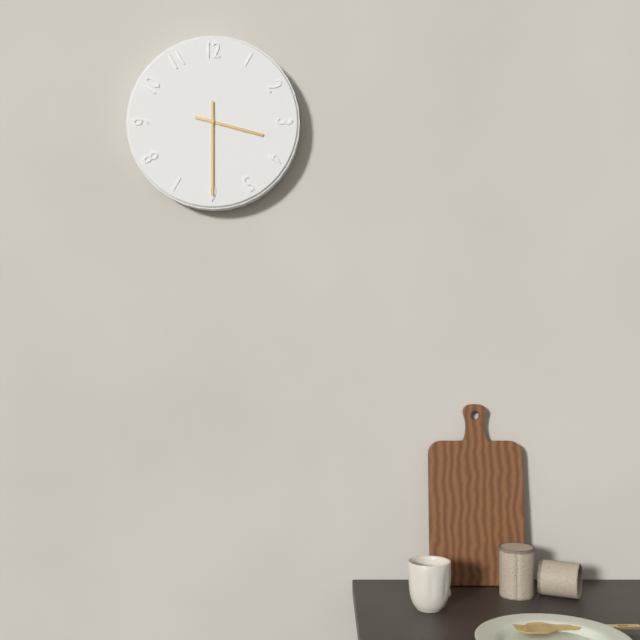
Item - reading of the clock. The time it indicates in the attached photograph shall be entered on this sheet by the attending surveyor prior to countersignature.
3:30
